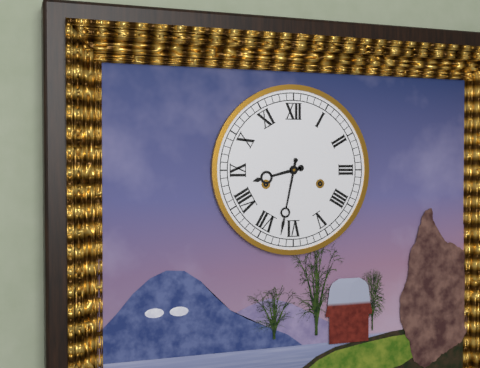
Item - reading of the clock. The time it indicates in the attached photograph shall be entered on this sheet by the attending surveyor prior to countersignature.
8:32
